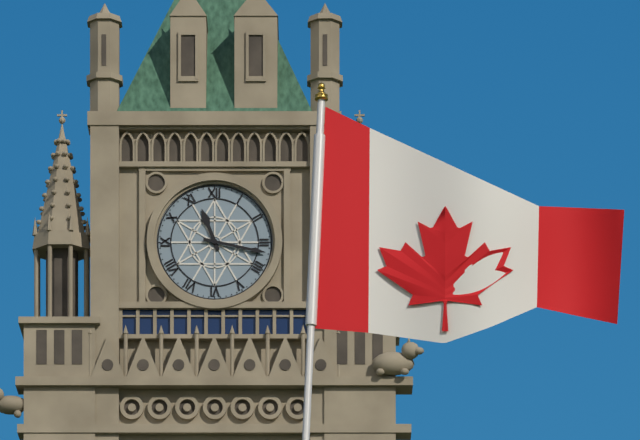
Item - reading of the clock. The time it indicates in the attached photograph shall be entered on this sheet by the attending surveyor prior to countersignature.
11:17
